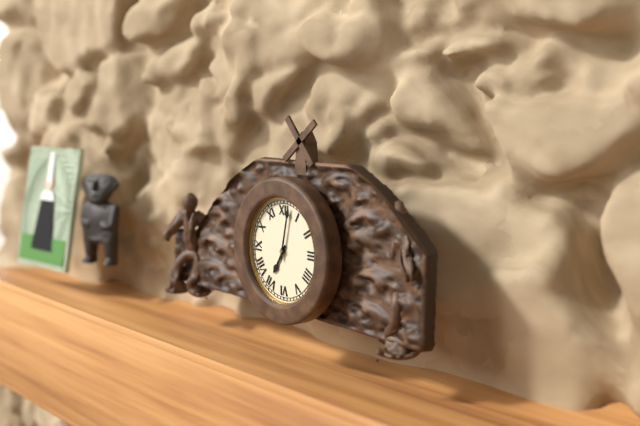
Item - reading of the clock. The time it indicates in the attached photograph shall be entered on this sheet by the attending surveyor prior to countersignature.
7:02
